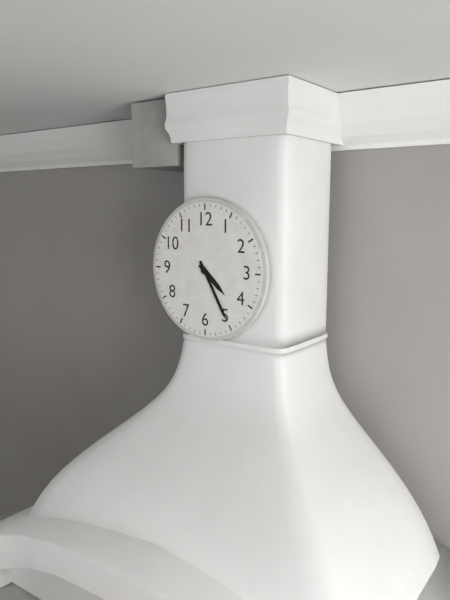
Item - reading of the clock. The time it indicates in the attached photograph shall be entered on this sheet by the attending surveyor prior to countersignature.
4:25
